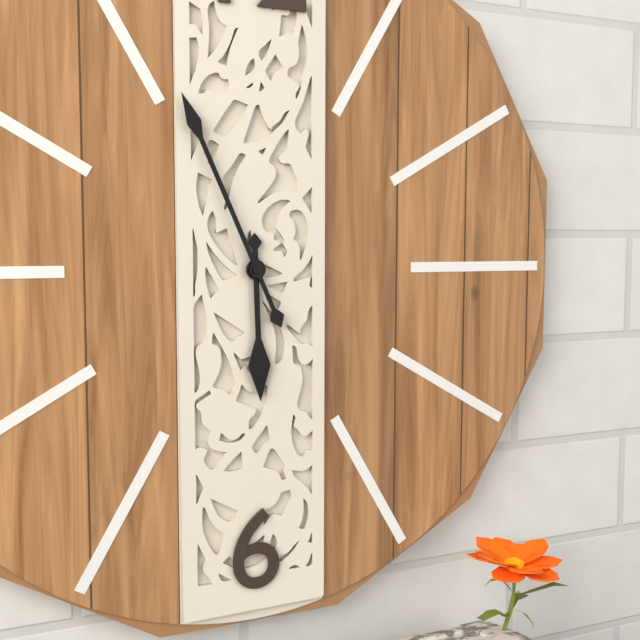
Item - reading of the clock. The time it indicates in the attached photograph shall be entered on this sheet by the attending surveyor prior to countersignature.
5:56
